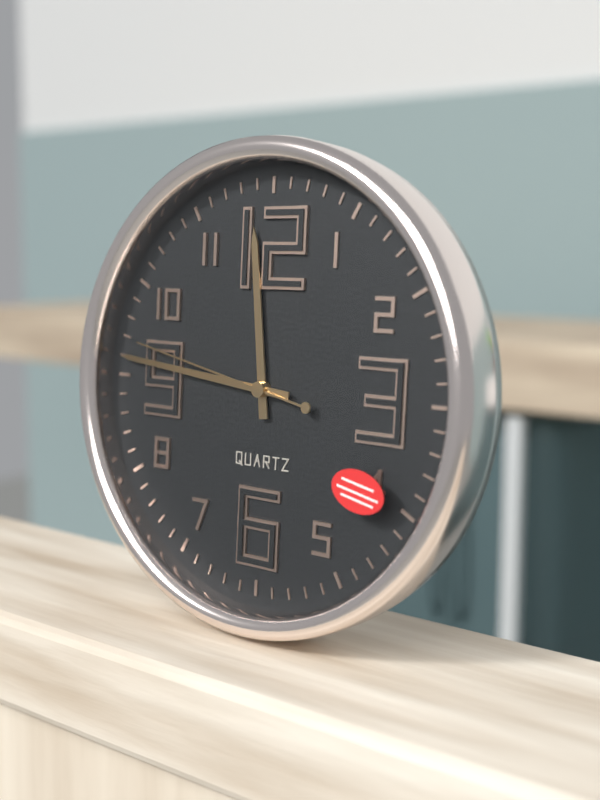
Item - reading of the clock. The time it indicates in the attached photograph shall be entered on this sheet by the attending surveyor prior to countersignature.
11:46:47
